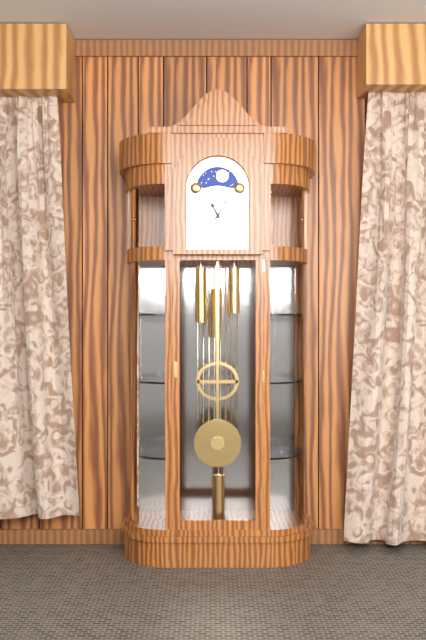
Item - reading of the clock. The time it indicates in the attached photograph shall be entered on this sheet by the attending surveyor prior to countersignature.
11:05
